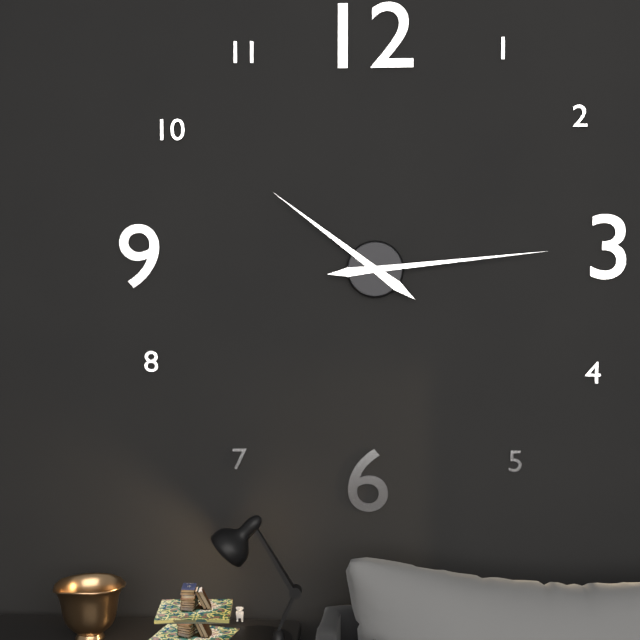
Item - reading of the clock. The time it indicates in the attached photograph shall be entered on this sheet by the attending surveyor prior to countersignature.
10:14
